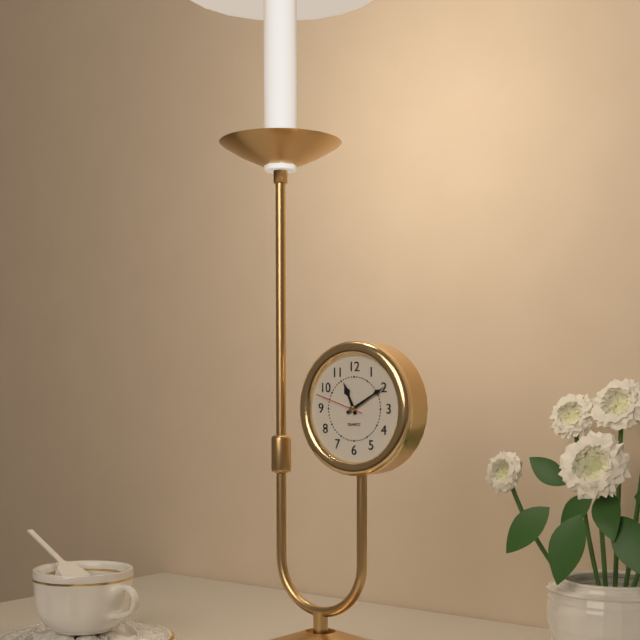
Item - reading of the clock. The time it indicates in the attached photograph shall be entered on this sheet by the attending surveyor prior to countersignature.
11:10
